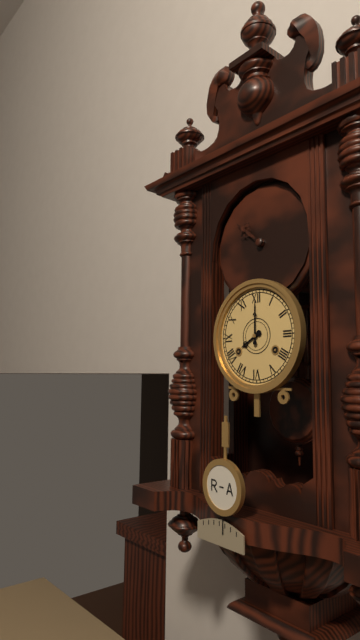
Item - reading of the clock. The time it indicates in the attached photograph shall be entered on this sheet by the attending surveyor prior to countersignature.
8:00
